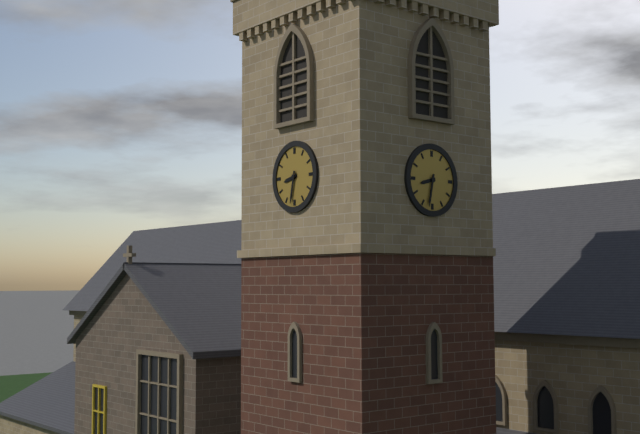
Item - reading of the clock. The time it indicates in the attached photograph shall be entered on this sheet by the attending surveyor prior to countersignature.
8:32
